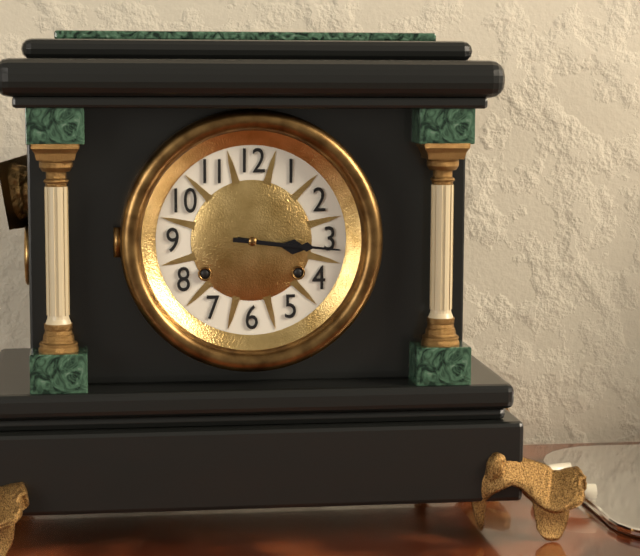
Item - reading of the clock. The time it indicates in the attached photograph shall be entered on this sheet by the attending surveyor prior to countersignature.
3:16
